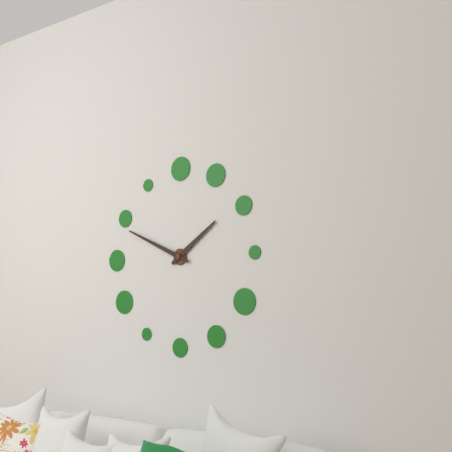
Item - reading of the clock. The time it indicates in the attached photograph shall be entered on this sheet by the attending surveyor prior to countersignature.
1:49
